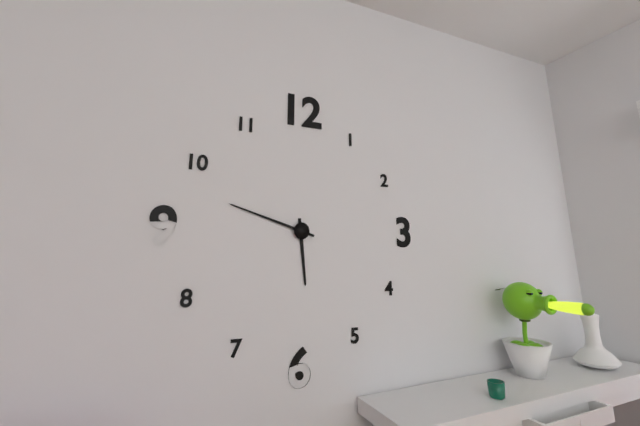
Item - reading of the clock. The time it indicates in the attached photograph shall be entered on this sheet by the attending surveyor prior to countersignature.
5:48
